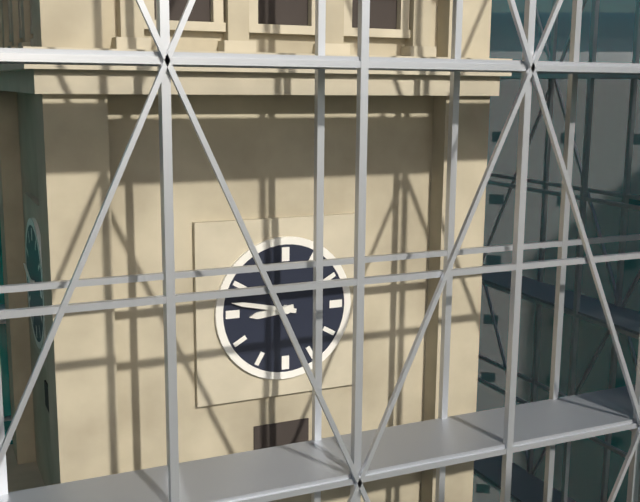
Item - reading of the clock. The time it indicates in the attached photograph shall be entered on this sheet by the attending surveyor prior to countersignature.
8:47
